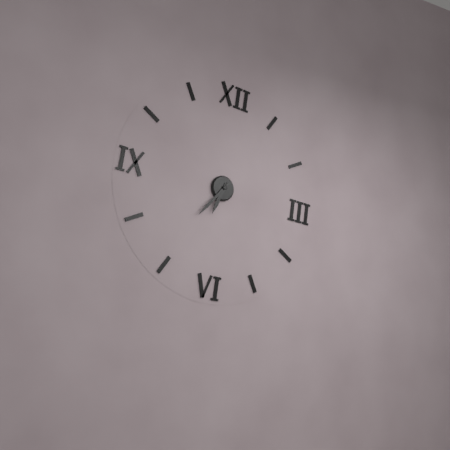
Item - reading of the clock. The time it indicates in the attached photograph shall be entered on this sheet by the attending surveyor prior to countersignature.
6:36
